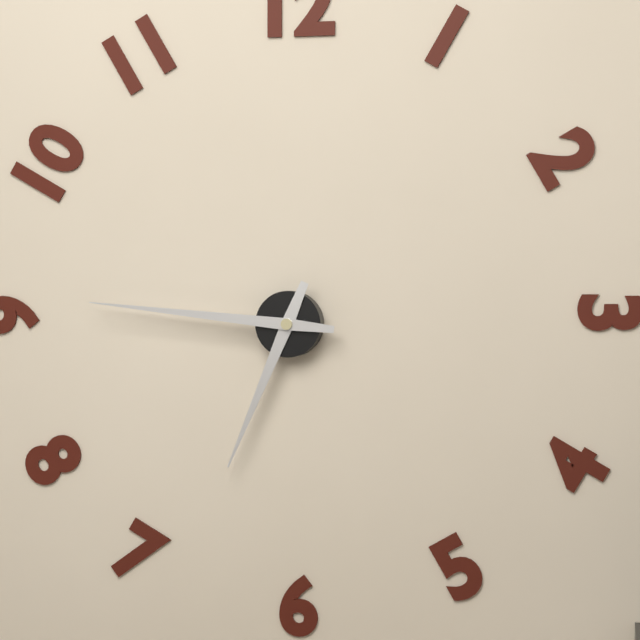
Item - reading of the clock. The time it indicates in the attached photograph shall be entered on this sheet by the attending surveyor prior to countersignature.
6:46
